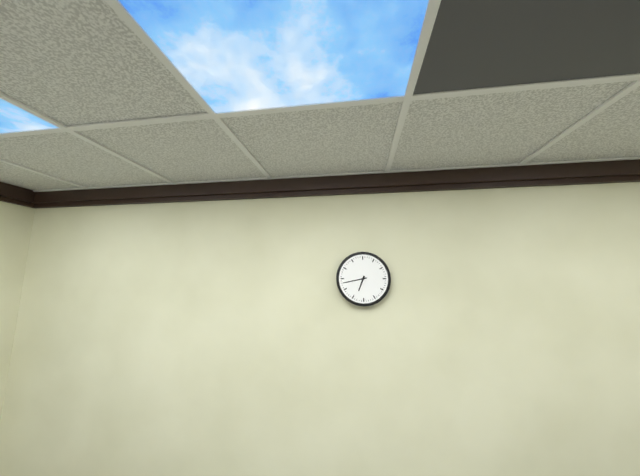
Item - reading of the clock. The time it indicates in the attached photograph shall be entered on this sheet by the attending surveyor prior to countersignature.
6:43
